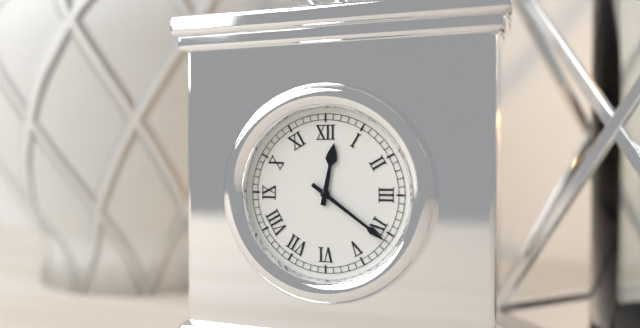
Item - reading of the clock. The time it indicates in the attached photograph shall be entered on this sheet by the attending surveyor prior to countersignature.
12:21
